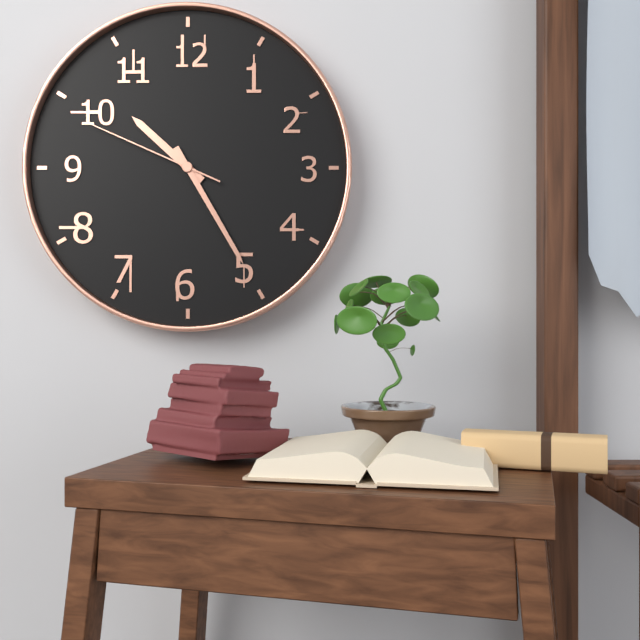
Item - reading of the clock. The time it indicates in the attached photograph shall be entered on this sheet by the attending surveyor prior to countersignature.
10:25:49
